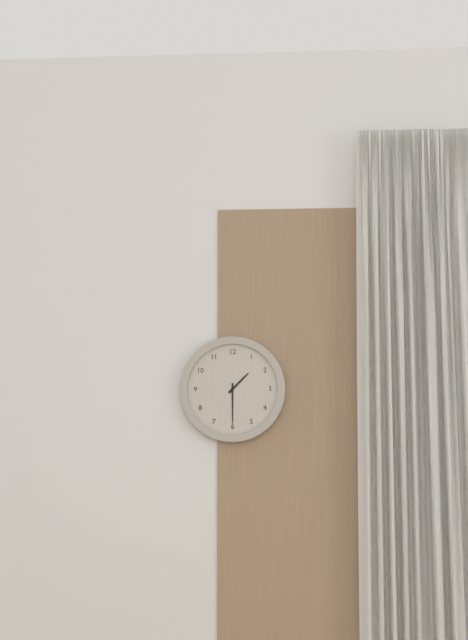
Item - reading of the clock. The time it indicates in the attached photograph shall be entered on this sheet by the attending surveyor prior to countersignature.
1:30
